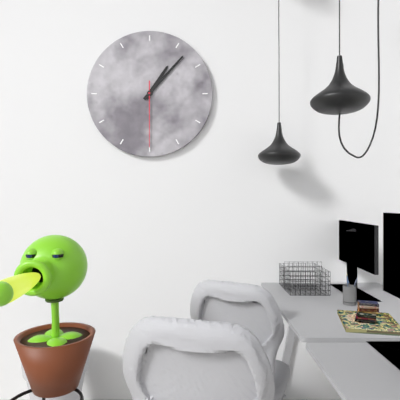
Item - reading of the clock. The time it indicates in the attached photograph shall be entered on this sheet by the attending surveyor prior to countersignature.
1:07:30
